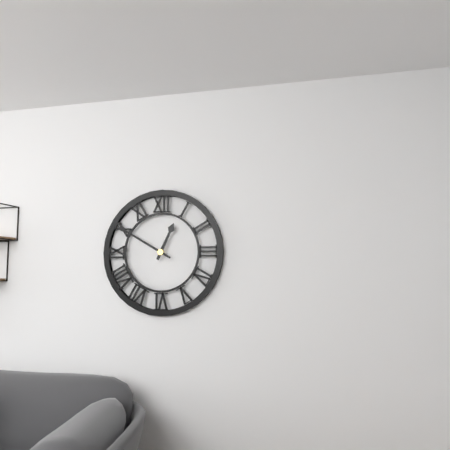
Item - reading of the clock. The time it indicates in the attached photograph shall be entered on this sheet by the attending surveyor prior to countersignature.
12:50
